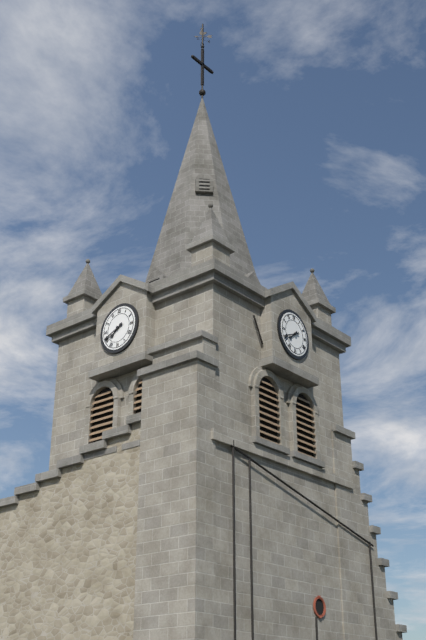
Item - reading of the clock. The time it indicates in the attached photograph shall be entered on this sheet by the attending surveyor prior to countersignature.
7:41
